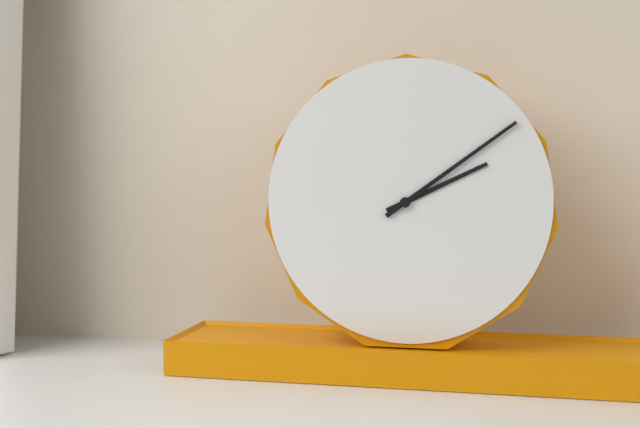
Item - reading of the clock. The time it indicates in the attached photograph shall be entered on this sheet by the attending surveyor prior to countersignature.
2:09
